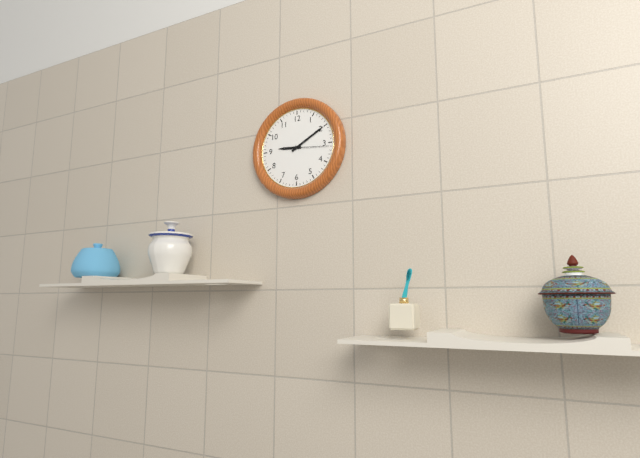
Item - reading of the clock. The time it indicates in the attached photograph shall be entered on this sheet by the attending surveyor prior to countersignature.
9:10
